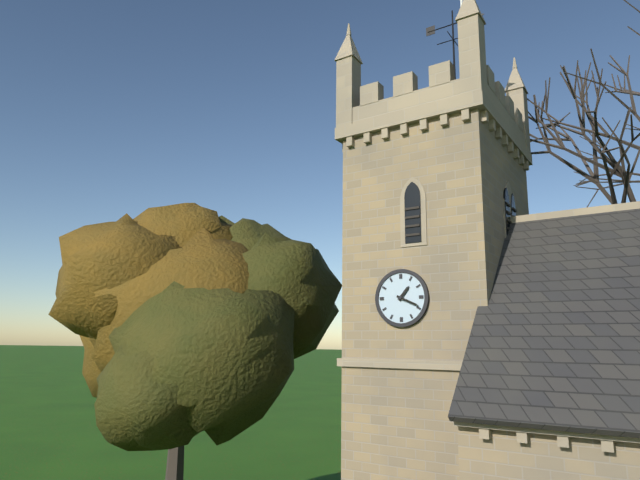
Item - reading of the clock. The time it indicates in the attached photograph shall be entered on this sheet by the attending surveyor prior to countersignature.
1:19
